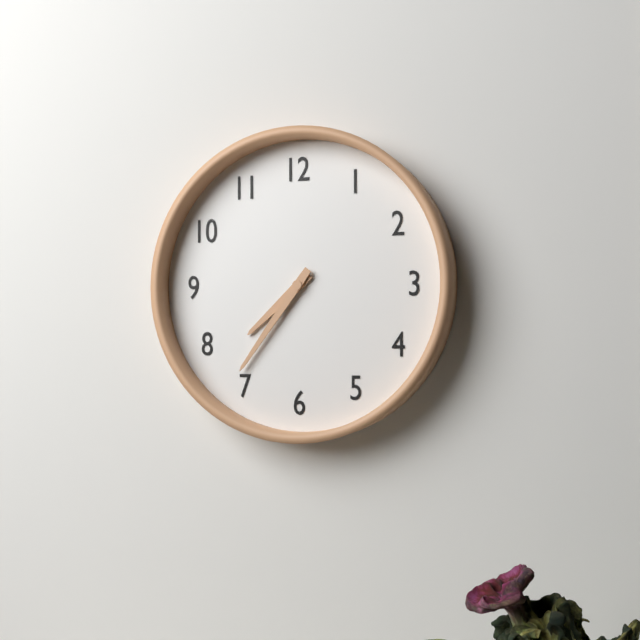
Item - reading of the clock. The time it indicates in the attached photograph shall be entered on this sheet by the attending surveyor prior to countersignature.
7:36
